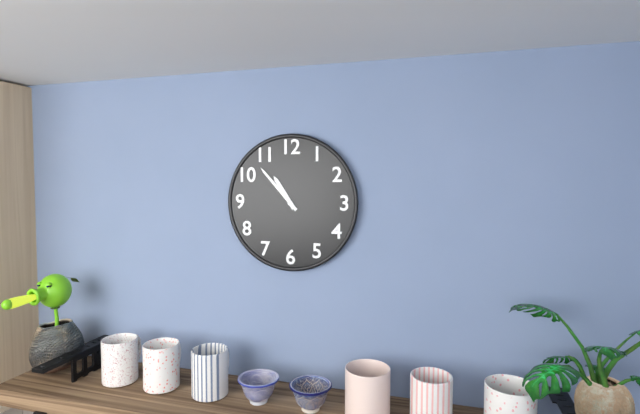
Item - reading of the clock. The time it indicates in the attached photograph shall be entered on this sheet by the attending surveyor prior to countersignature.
10:53
